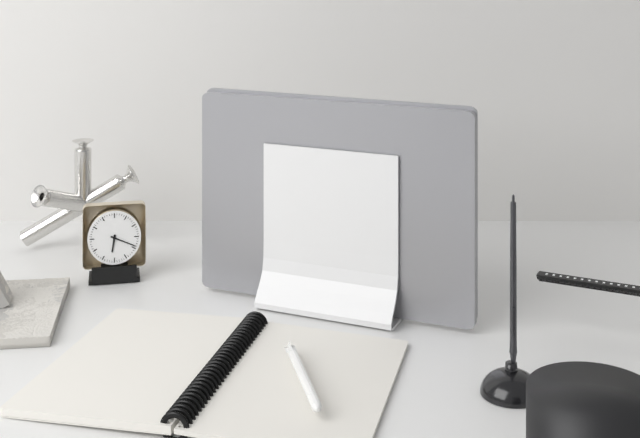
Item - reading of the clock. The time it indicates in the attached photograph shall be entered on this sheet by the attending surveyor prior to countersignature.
6:19
